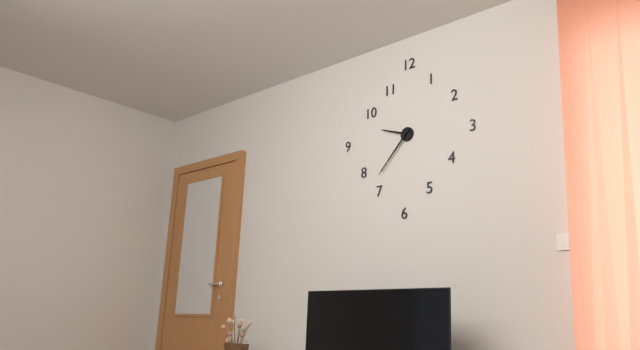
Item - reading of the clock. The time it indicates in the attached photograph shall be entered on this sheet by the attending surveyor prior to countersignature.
9:37
